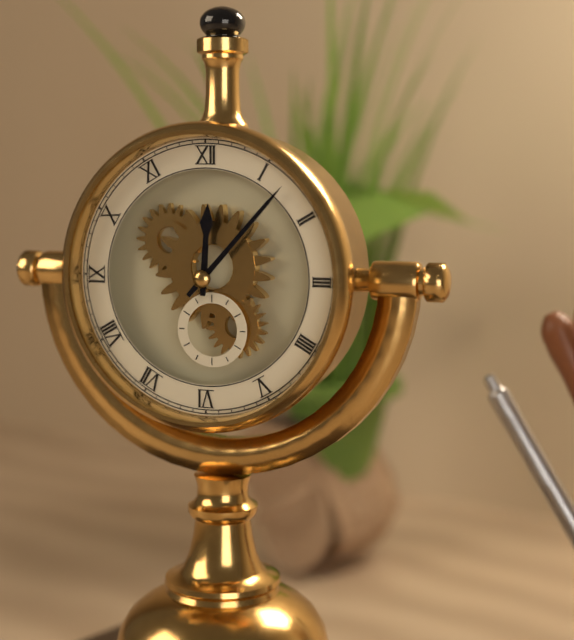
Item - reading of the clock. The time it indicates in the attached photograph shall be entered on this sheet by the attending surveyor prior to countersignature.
12:07
